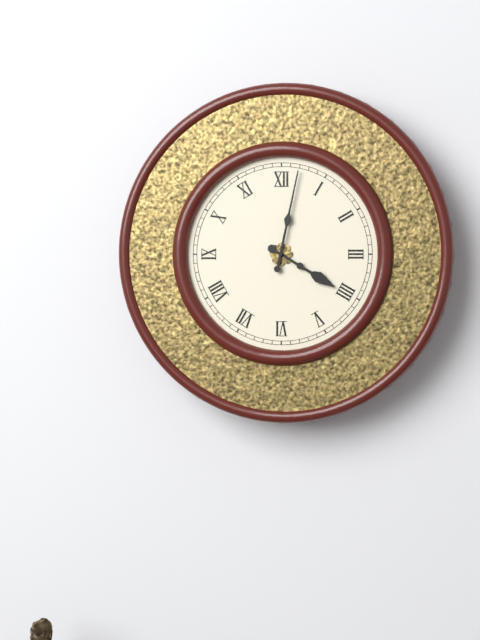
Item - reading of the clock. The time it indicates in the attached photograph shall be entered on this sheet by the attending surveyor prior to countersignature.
4:02
